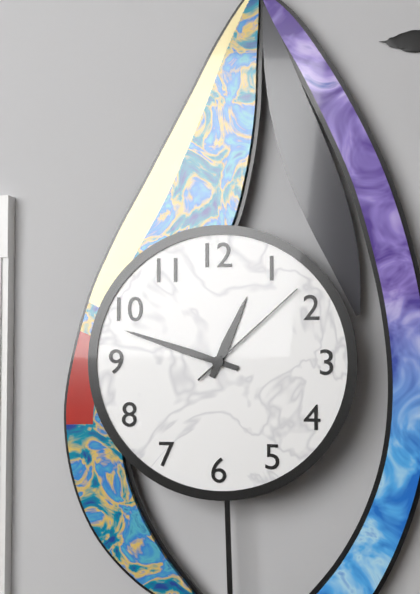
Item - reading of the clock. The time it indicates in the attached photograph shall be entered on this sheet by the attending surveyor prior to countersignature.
12:48:08
